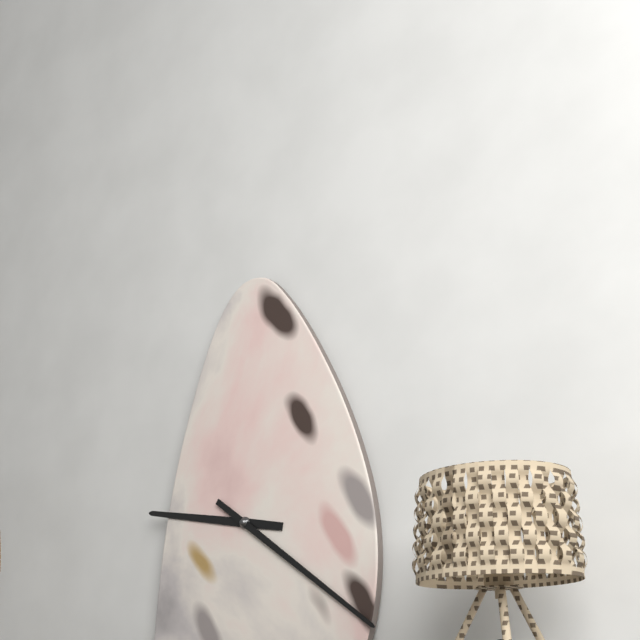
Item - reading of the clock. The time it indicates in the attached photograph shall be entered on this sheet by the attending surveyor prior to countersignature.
9:21
